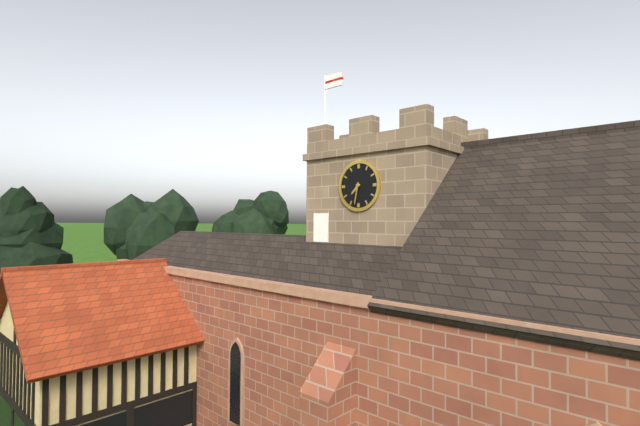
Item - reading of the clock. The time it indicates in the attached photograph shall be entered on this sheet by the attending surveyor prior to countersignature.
7:32
